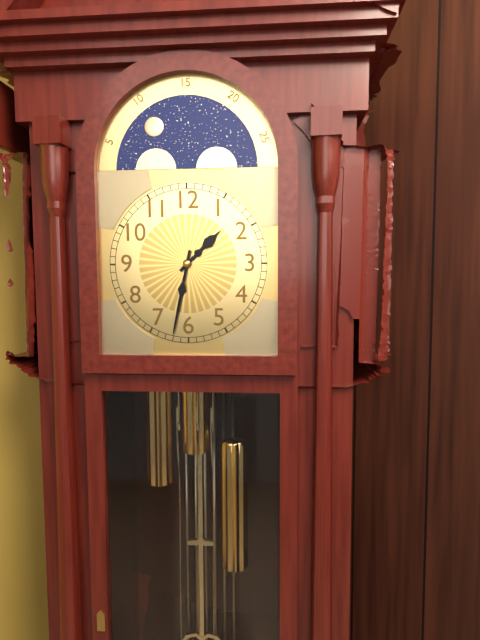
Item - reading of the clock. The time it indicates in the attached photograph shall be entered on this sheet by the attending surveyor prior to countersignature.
1:32
